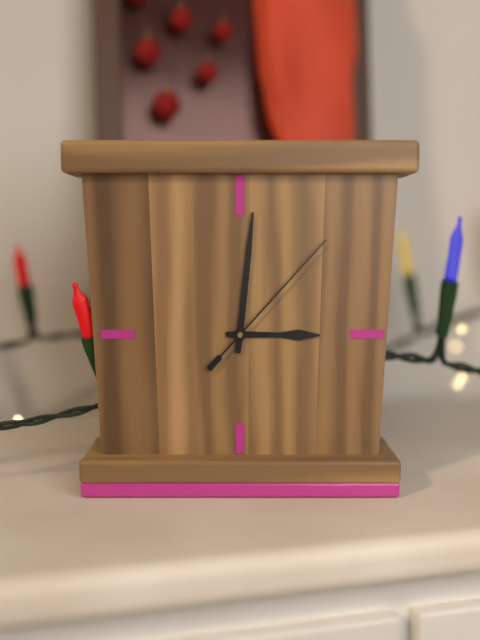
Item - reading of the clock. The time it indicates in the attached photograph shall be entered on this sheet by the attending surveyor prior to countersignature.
3:01:07
